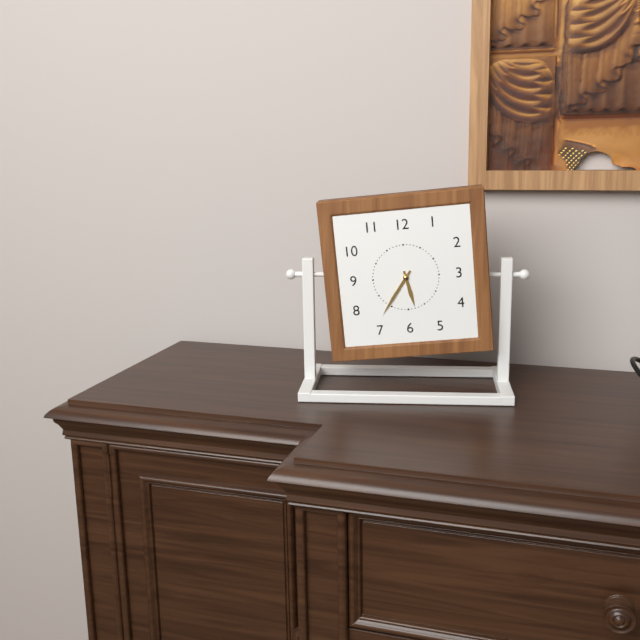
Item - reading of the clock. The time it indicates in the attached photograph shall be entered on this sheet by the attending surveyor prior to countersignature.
5:36
